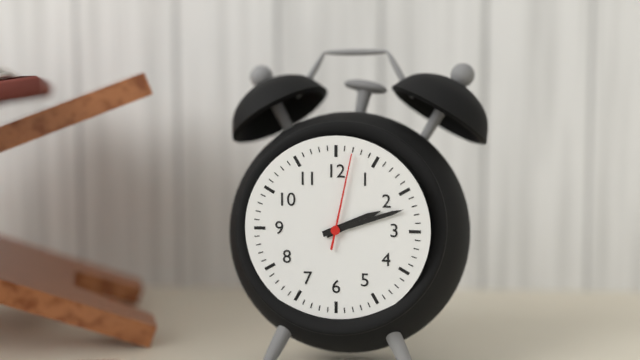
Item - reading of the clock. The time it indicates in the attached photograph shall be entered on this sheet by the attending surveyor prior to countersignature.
2:12:02
